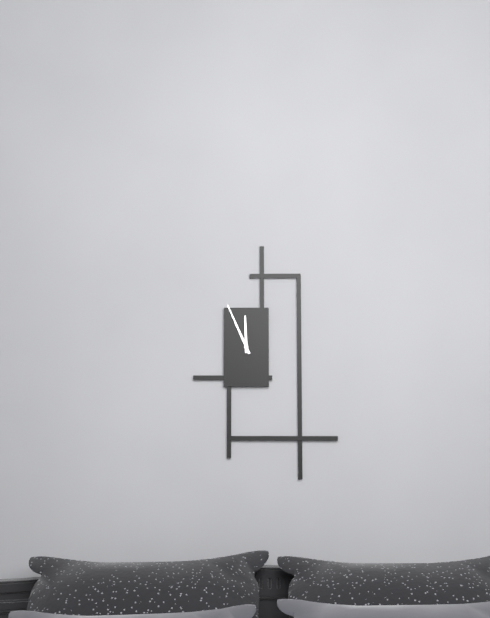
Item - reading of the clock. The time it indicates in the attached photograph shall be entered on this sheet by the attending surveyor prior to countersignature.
11:56
